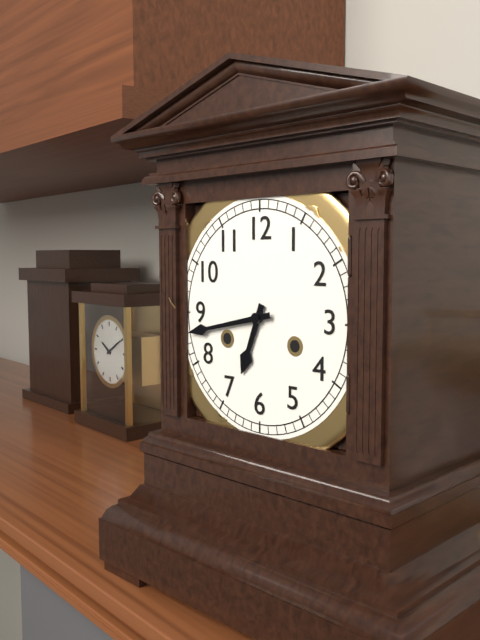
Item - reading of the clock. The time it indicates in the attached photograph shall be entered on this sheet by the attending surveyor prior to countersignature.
6:43
